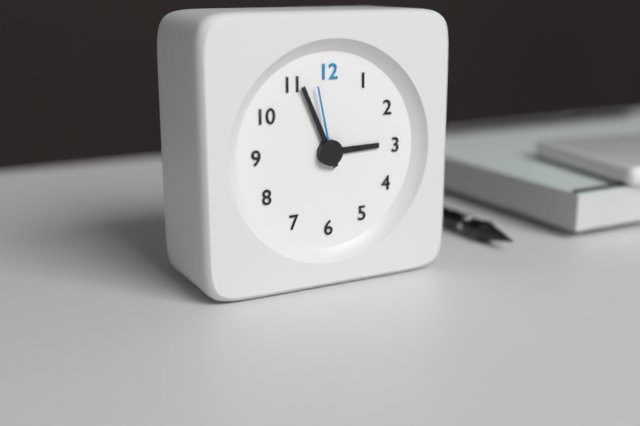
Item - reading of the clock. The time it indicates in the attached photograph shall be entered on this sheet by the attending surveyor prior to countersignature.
2:56:58
